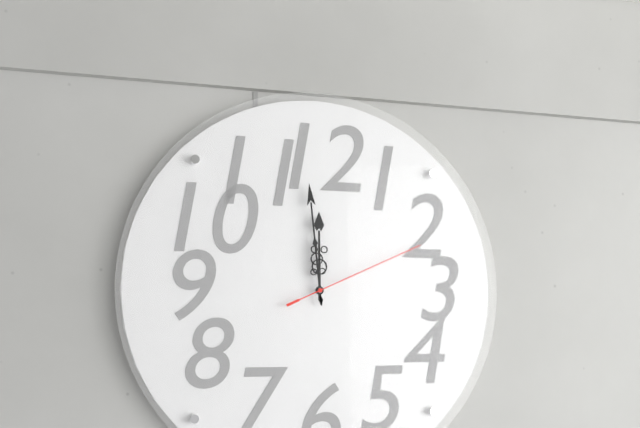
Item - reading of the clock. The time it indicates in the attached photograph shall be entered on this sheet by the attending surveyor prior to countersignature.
11:59:11
